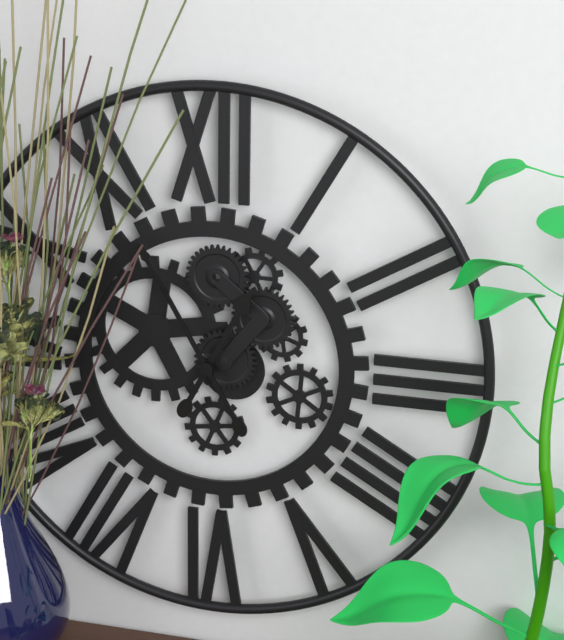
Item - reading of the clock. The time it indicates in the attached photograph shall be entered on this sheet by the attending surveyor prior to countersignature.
12:55
